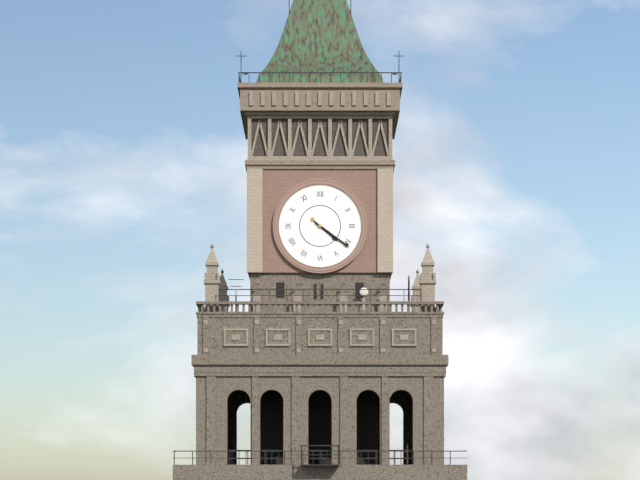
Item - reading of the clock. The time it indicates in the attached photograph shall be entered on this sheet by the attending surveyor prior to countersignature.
4:21
